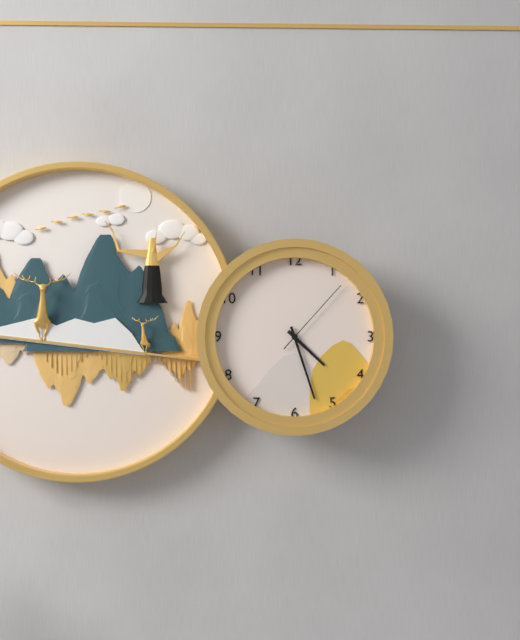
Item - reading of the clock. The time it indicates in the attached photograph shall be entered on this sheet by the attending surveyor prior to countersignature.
4:27:07
